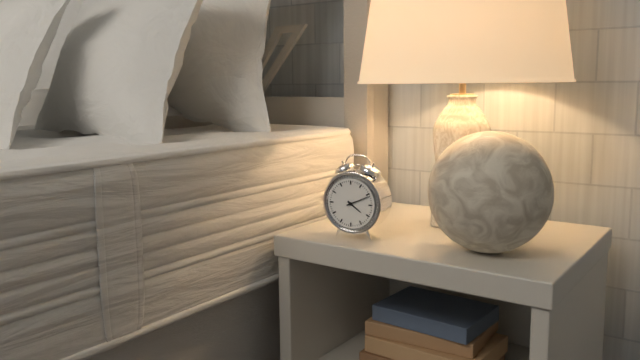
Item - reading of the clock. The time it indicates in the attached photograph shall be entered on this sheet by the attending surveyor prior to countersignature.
4:11
